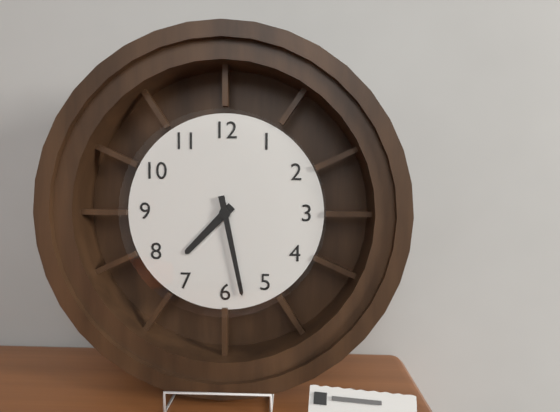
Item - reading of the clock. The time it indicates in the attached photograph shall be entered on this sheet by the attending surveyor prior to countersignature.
7:28
